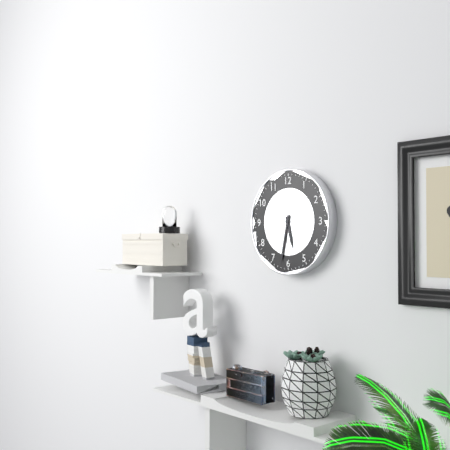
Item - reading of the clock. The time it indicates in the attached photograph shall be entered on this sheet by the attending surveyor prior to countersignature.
5:32
